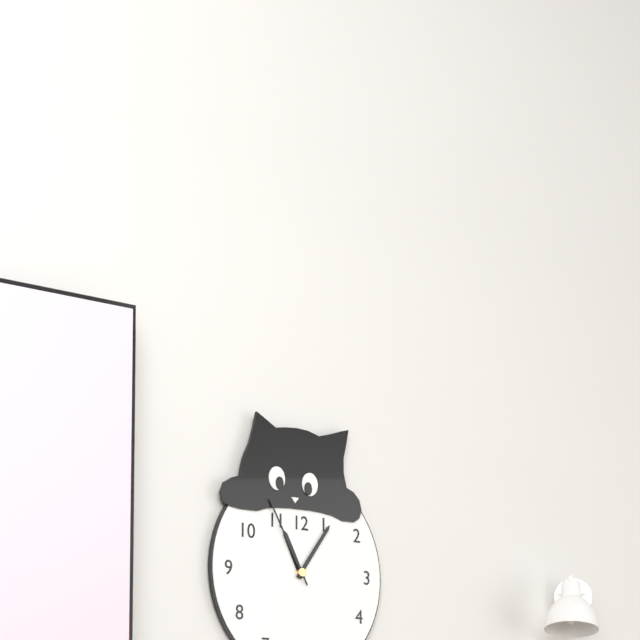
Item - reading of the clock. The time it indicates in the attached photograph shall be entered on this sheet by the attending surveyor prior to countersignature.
11:06:55
